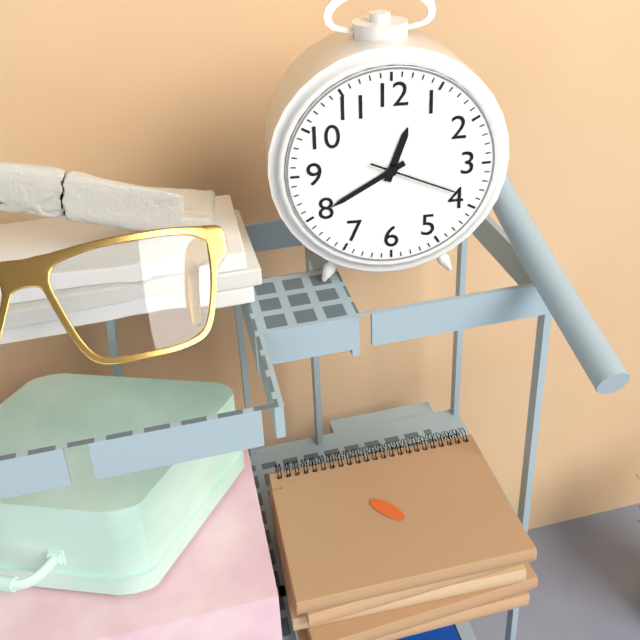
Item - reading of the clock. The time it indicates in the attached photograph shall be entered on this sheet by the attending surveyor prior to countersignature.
12:40:19
